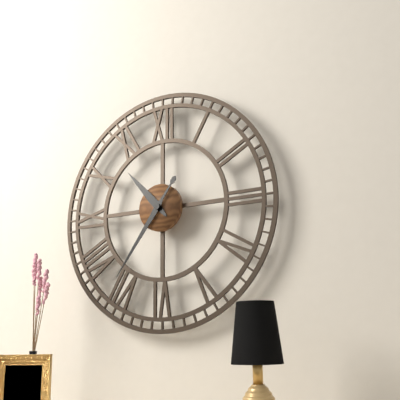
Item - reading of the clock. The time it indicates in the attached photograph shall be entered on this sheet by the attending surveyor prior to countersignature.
10:36
